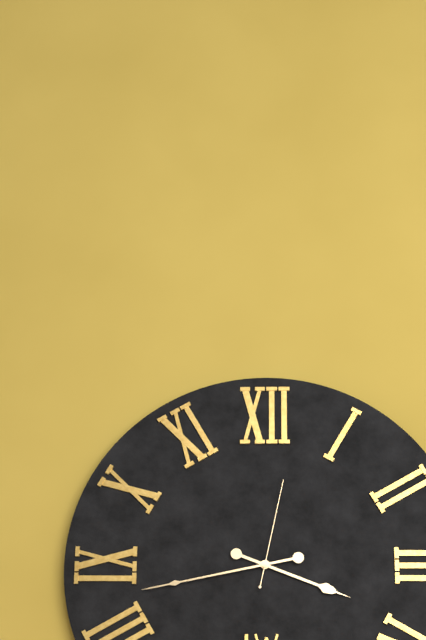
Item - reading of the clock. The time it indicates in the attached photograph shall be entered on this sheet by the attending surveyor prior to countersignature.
3:43:02
